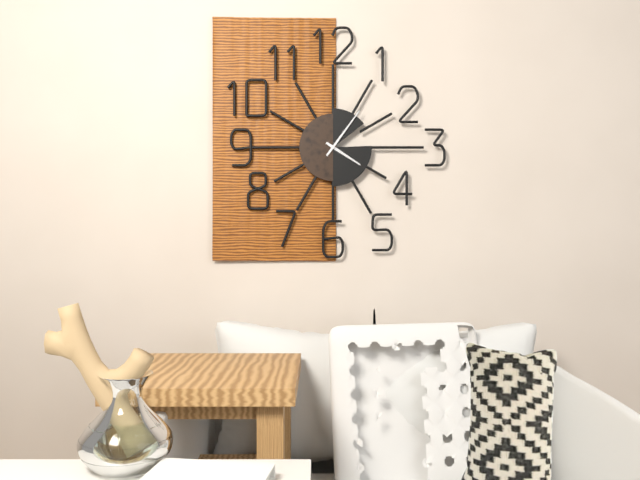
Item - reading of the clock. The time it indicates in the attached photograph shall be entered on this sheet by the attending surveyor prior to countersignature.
4:06
